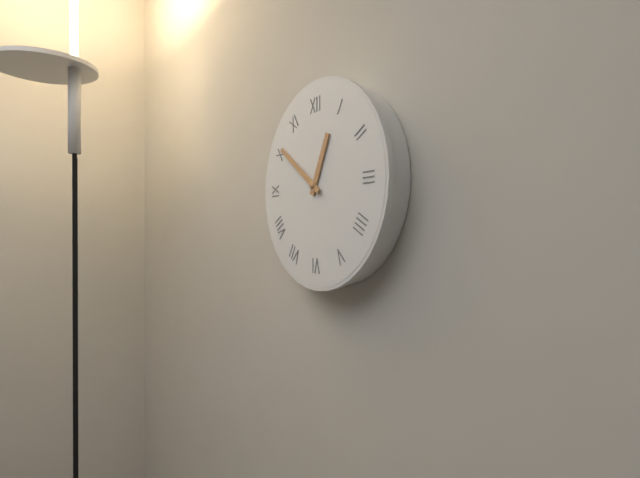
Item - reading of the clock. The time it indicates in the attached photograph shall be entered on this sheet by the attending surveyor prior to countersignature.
12:51
